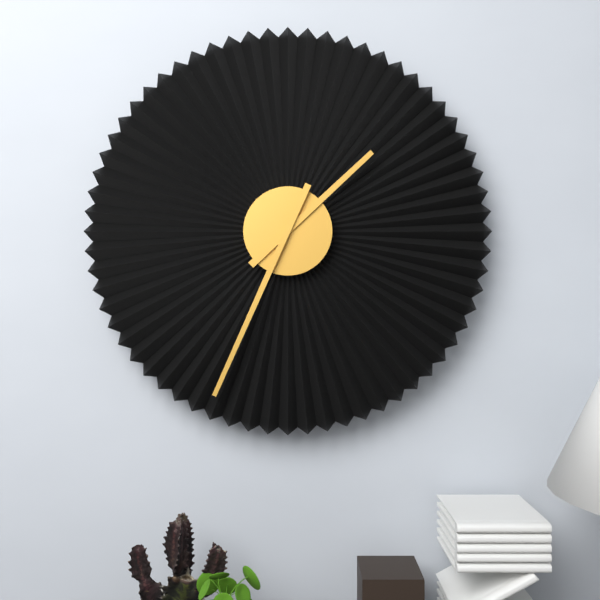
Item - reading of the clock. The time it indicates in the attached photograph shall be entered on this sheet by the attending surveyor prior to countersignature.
1:34
